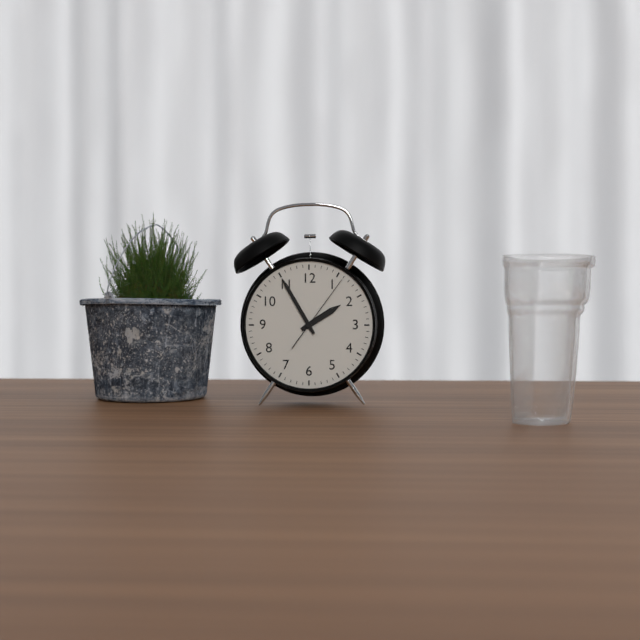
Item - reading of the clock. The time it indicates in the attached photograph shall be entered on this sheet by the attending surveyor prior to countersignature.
1:55:06
